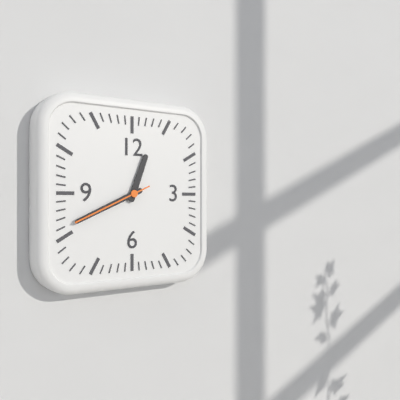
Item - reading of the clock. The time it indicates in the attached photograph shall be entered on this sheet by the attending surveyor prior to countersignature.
12:41:41
